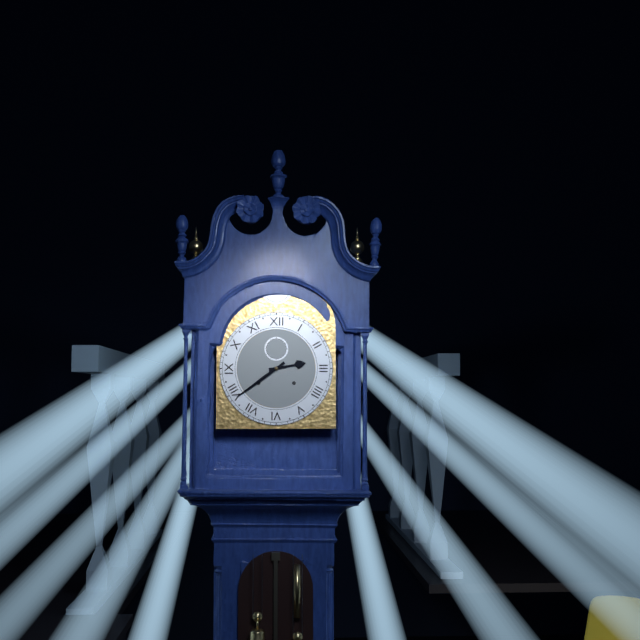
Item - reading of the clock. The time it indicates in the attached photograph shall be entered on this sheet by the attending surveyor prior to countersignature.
2:39
